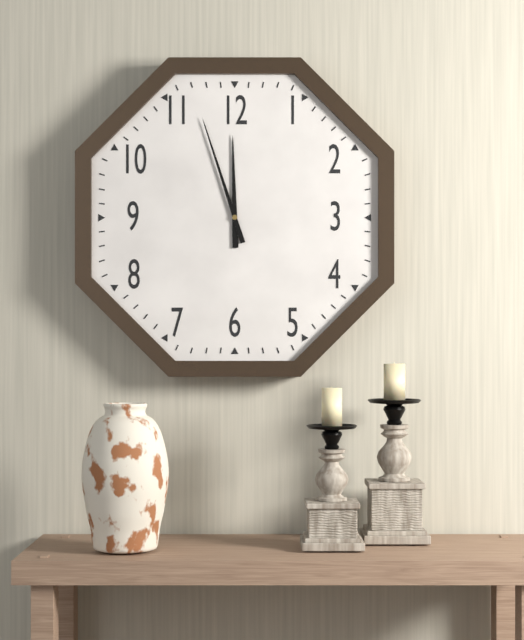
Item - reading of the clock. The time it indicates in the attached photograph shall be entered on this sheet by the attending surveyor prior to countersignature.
11:57
